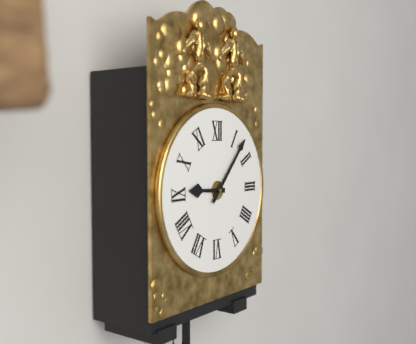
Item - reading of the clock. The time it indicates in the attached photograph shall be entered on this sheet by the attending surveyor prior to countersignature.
9:07
